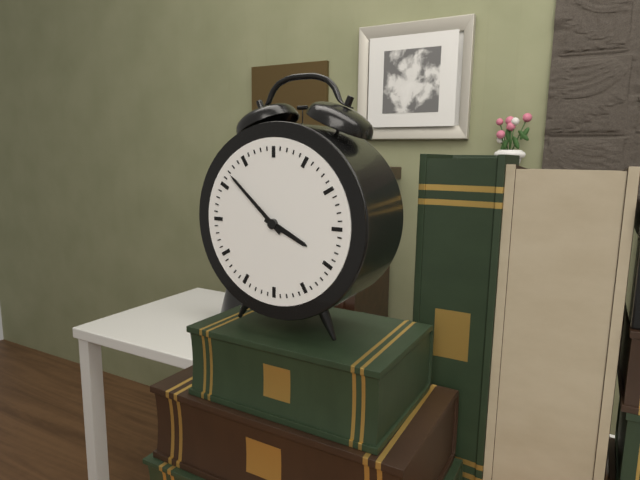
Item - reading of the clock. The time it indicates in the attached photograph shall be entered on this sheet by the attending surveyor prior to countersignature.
3:52
